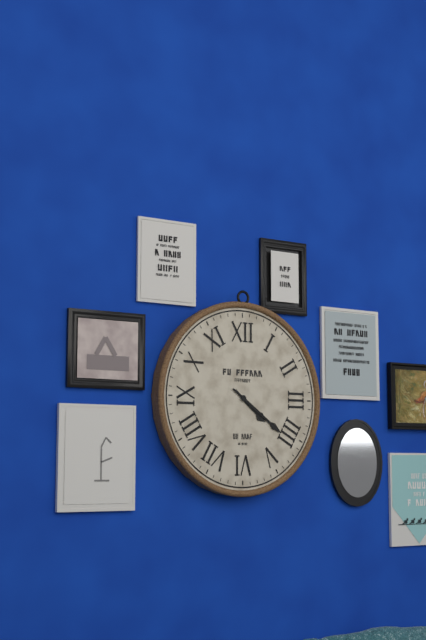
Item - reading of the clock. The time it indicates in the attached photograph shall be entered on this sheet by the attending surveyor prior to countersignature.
4:21
